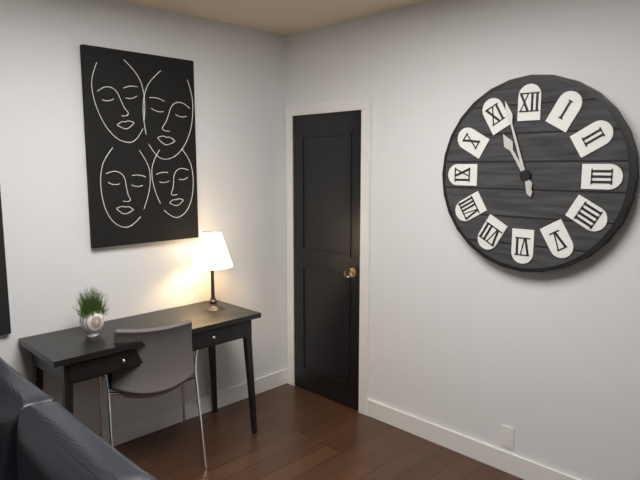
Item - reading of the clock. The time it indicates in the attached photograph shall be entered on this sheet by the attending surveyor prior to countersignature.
10:57
